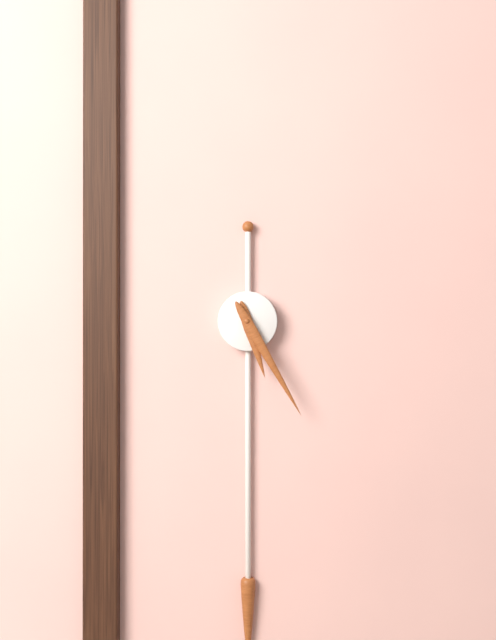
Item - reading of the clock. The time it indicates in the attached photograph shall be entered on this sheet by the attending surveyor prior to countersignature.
5:25
